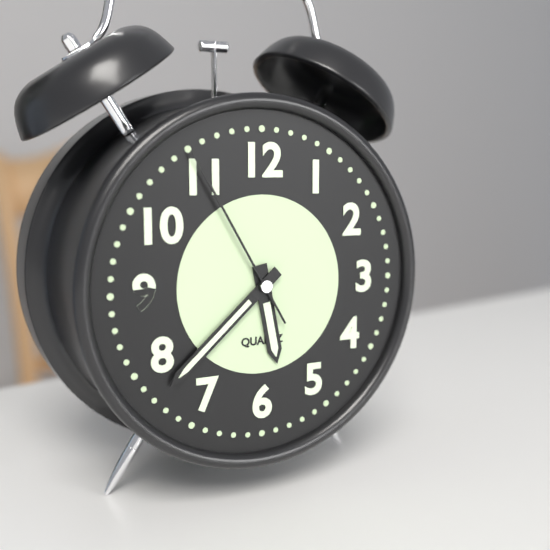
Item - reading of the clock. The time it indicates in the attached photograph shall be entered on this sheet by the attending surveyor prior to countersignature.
5:38:55
